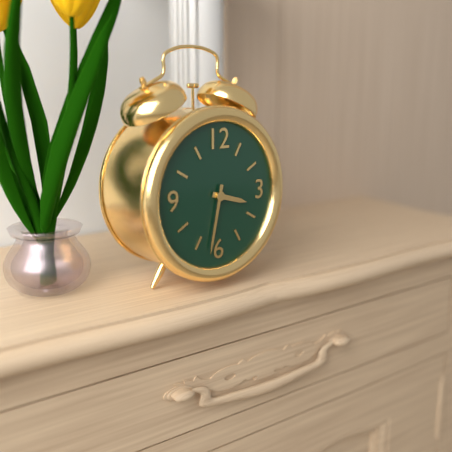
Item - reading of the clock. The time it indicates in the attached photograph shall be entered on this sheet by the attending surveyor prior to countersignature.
3:32
